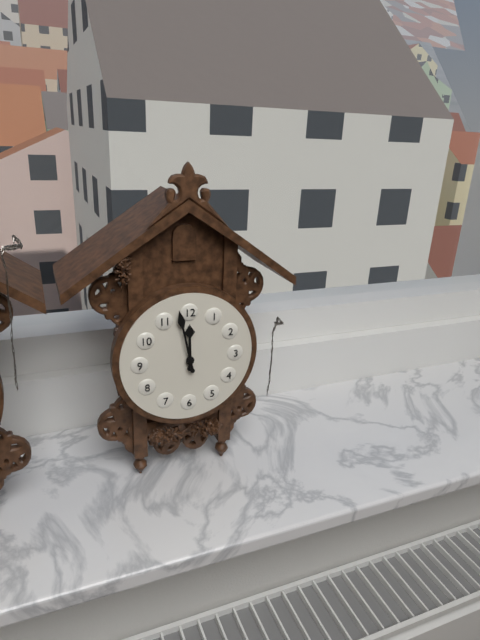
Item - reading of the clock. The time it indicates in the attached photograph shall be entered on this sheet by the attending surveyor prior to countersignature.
11:58
